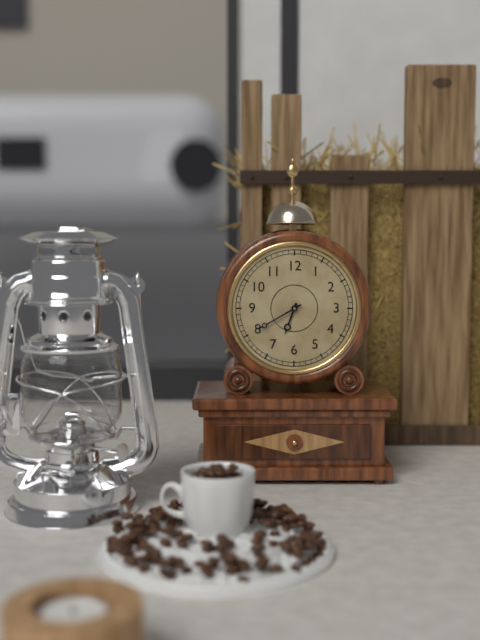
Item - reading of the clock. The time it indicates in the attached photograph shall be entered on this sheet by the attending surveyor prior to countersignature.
6:40
